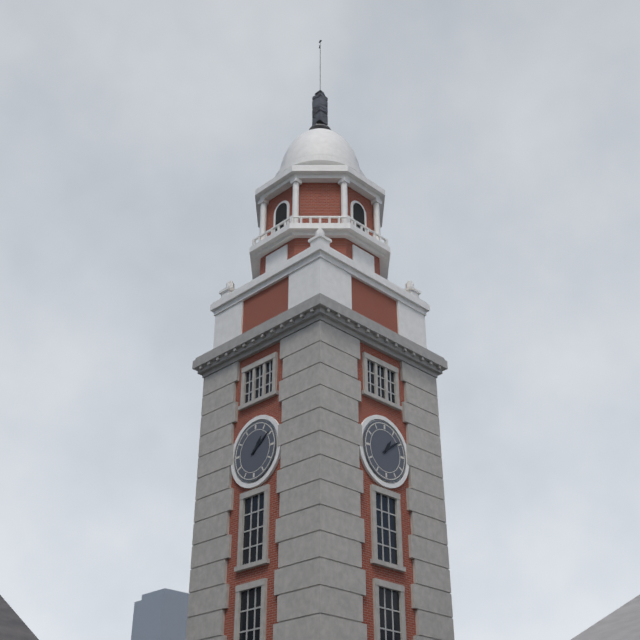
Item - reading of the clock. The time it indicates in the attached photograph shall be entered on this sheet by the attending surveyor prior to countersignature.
1:09
